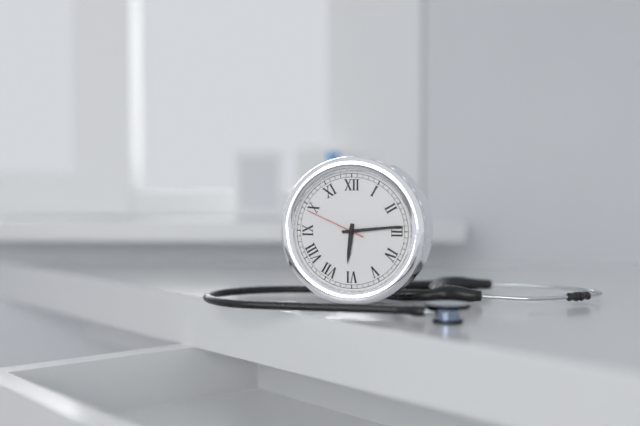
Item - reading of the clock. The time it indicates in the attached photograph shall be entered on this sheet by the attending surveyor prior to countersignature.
6:14:49
